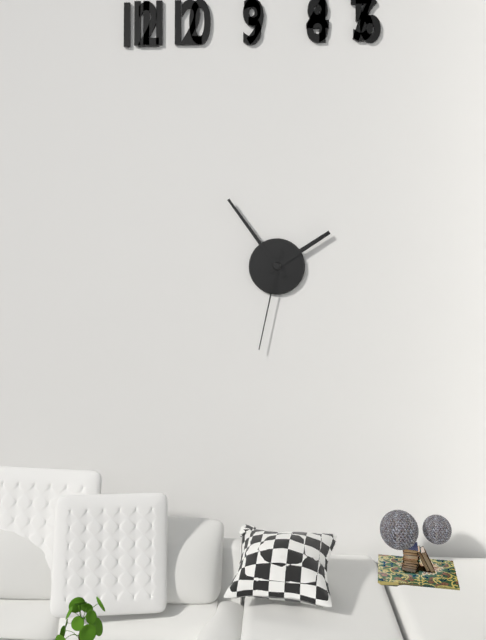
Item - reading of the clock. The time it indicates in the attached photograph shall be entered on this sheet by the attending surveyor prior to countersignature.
1:54:32
